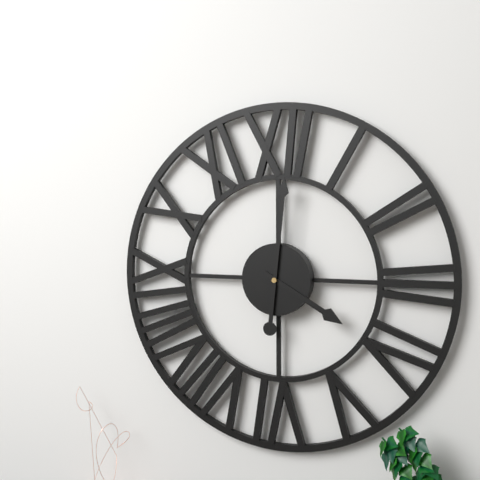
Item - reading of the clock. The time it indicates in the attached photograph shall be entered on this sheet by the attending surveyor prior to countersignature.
4:01
